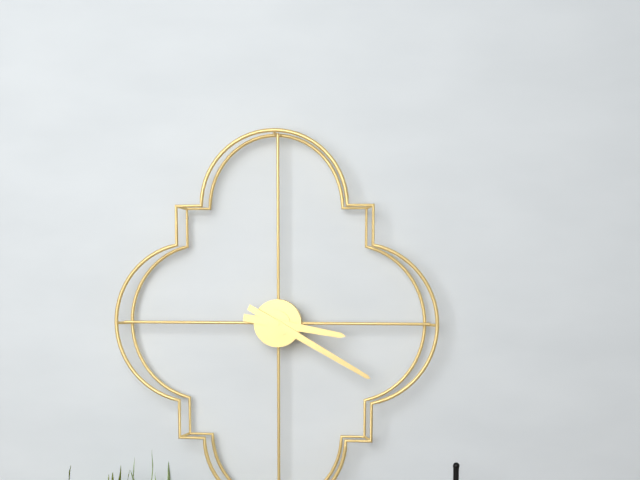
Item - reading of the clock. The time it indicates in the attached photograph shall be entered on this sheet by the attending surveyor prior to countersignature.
3:20
